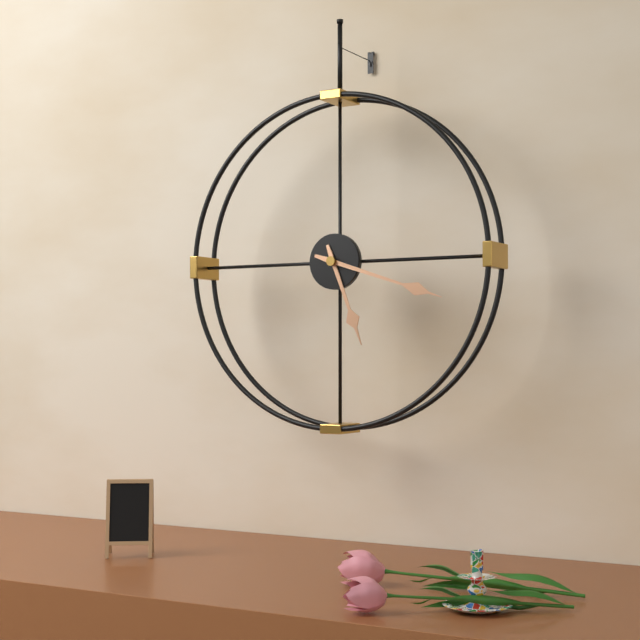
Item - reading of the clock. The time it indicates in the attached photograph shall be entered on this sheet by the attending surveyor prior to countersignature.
5:18
